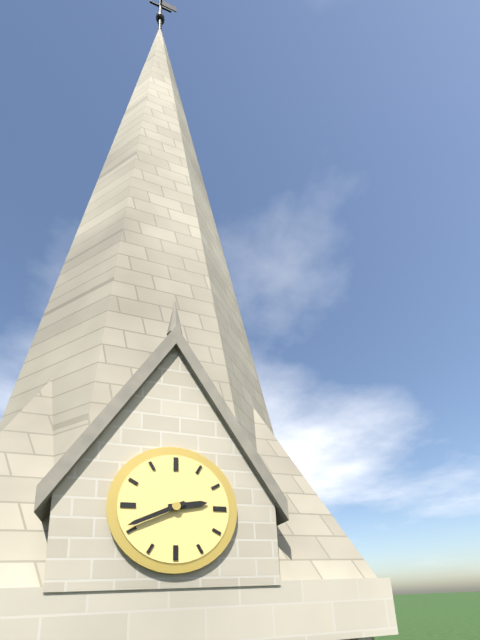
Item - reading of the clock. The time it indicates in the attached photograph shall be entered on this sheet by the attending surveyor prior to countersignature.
2:41
